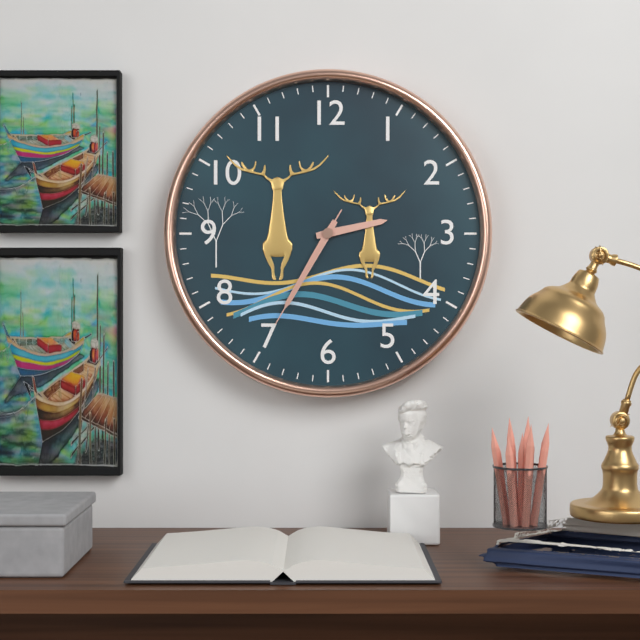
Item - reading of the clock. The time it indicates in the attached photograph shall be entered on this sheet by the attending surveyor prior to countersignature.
2:35:35
